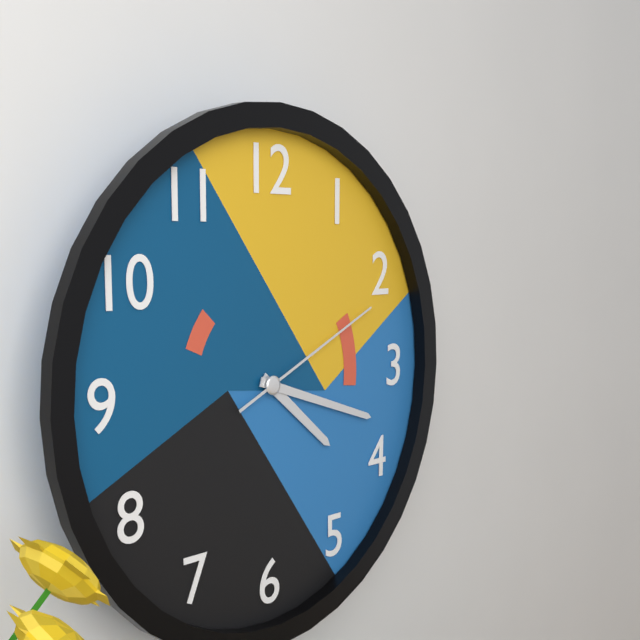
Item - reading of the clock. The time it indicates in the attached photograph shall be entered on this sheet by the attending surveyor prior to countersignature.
4:18:11
